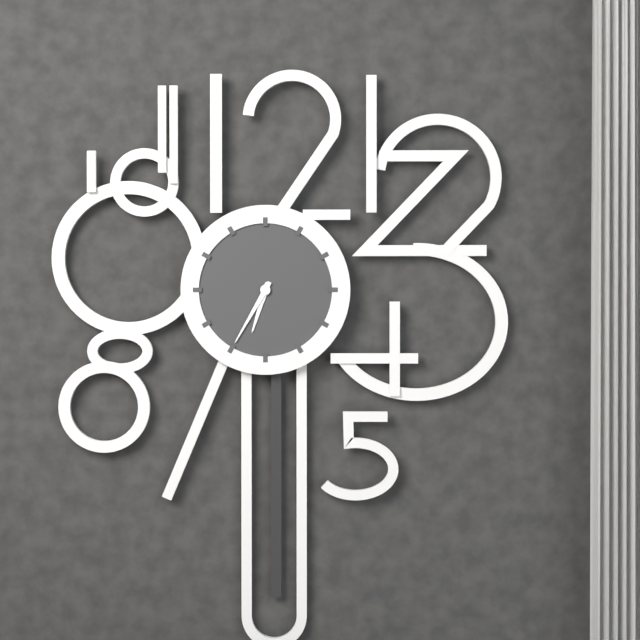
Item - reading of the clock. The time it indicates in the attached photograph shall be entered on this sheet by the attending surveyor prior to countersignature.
6:35
